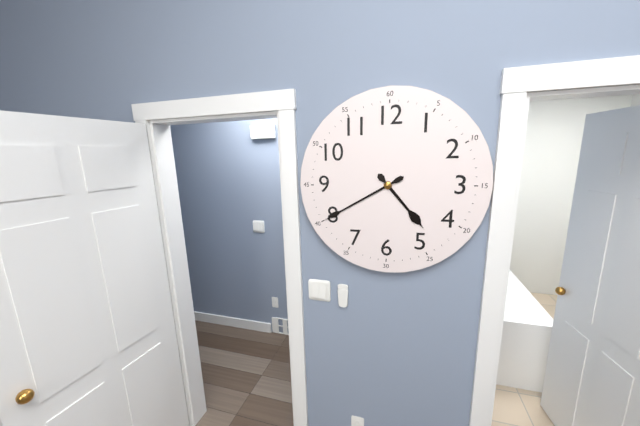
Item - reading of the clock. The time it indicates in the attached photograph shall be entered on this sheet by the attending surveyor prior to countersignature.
4:40
